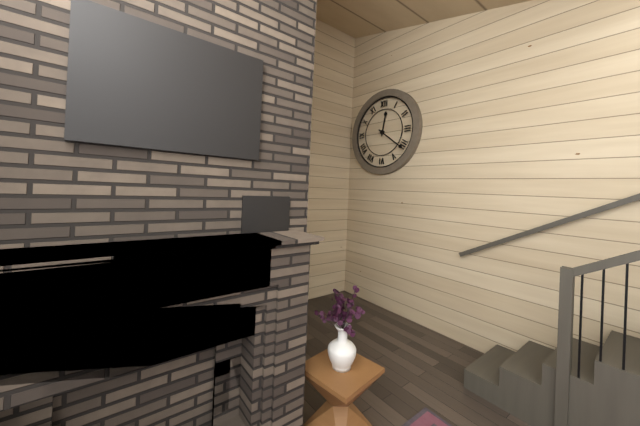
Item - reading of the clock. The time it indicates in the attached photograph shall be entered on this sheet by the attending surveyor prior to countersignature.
12:21
